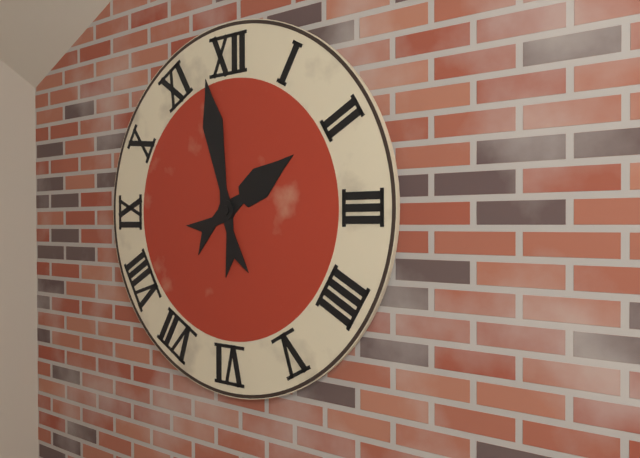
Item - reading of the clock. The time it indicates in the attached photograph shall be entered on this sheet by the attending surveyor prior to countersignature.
1:58
